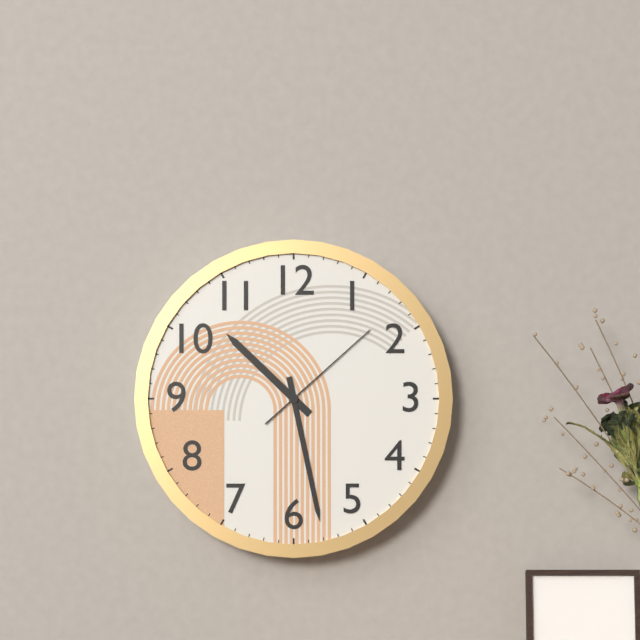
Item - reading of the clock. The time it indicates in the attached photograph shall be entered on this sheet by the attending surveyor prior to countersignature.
10:28:08
